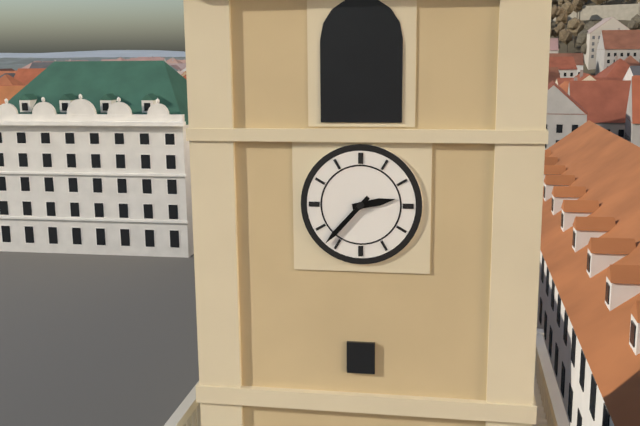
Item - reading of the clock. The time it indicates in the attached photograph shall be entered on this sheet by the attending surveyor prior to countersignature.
2:37
